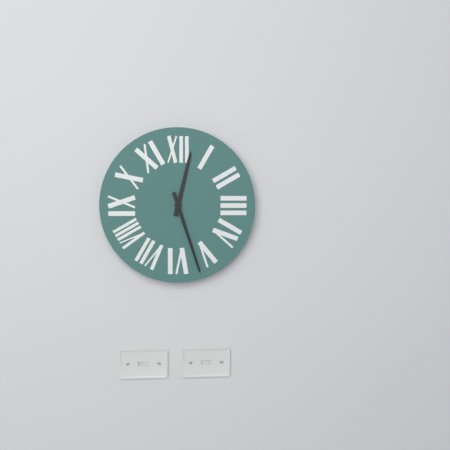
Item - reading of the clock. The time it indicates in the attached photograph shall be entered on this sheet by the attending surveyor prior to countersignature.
12:27
